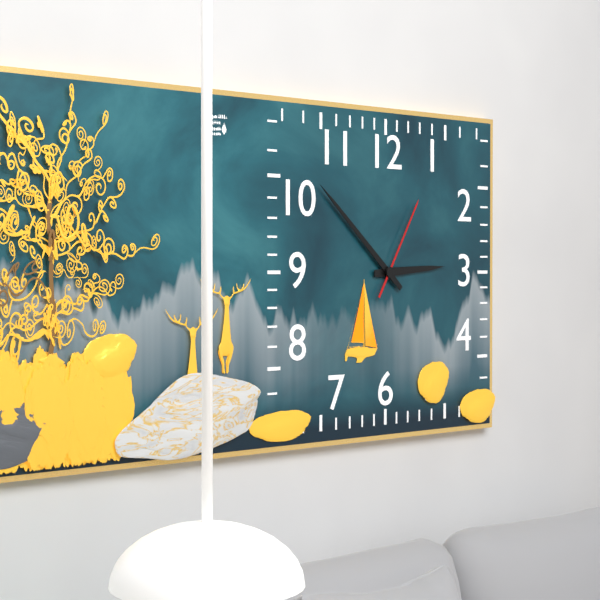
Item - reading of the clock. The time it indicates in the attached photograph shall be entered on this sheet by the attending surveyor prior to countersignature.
2:52:05
